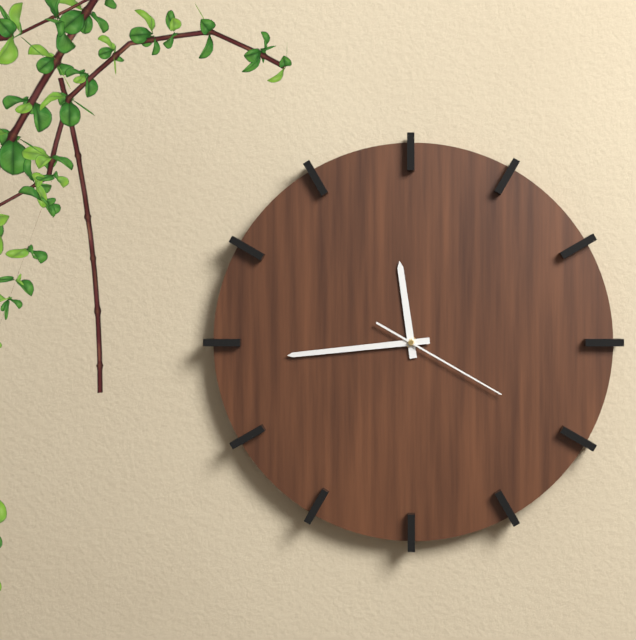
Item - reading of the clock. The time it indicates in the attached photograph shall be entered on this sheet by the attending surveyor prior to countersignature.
11:44:20
